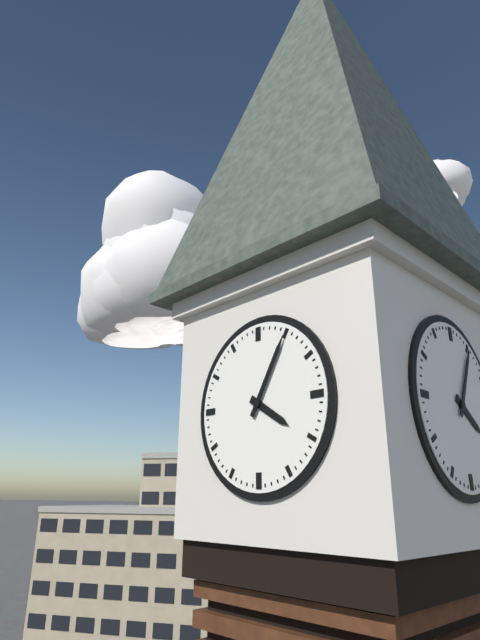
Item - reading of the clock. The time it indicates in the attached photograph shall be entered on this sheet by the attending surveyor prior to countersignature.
4:05
